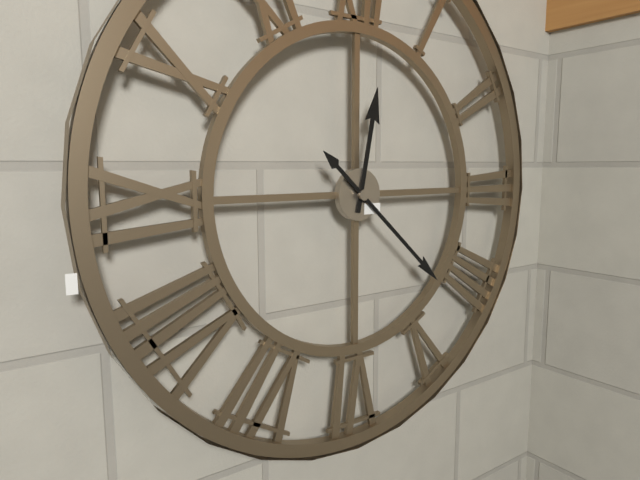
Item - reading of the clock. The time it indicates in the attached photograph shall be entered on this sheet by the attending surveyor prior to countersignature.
12:22
